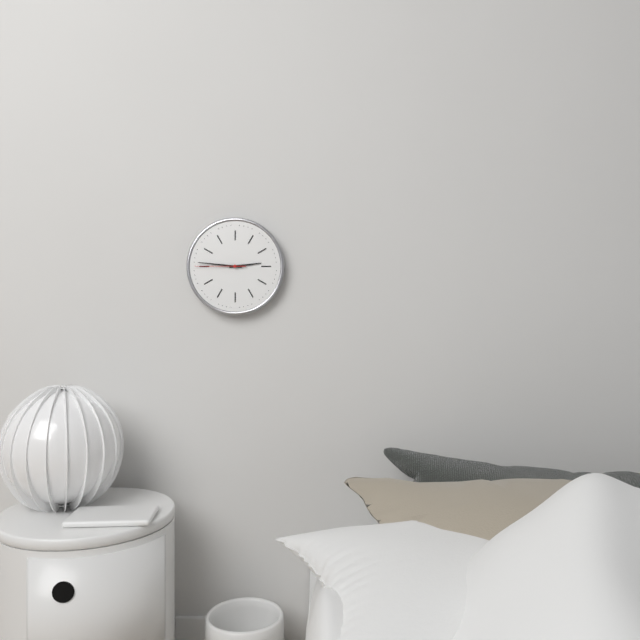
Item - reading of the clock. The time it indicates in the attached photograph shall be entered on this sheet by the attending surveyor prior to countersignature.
2:46:45
